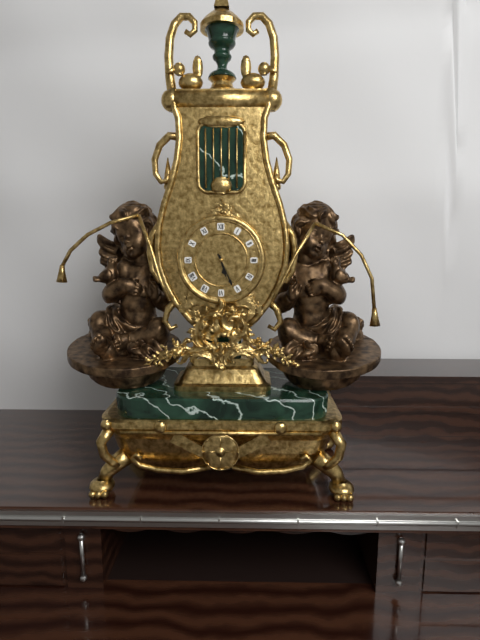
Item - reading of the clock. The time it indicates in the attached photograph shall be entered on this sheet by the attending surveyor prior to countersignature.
5:26
